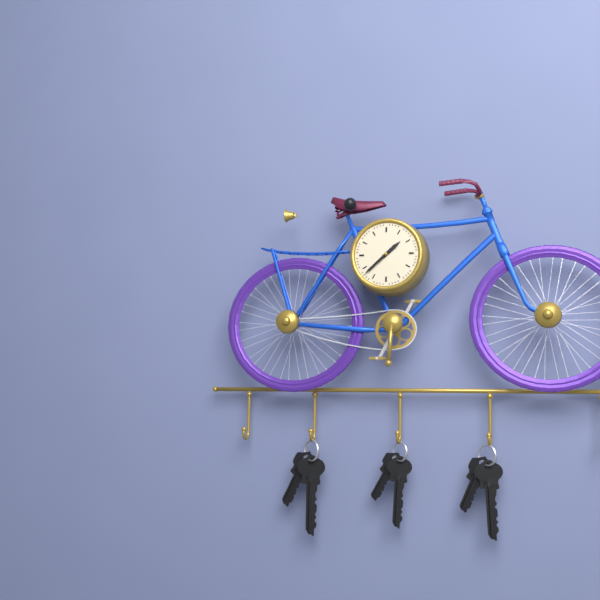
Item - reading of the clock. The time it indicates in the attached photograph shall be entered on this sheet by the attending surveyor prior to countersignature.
1:38
